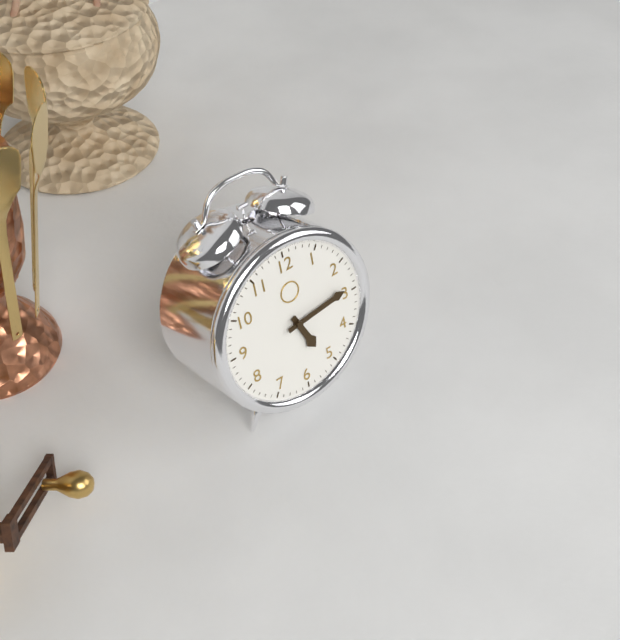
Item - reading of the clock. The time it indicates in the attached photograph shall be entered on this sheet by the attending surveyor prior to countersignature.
5:14
